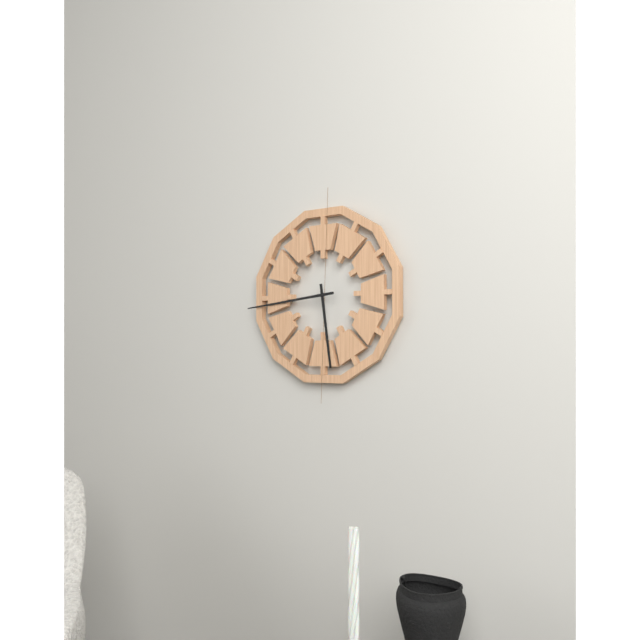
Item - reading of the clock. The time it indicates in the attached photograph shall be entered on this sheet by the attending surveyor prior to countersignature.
5:44
